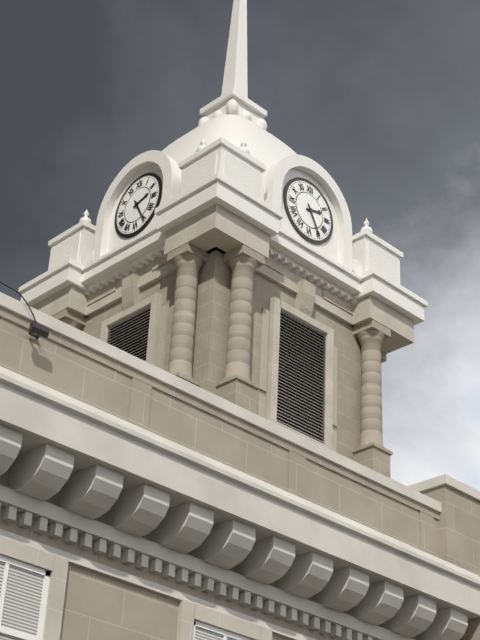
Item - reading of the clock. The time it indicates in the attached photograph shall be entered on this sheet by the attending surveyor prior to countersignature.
2:25
